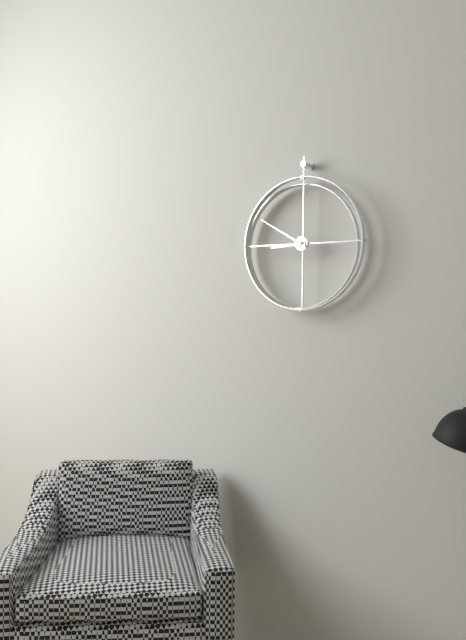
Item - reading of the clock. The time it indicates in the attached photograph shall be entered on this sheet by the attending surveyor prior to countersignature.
8:50
